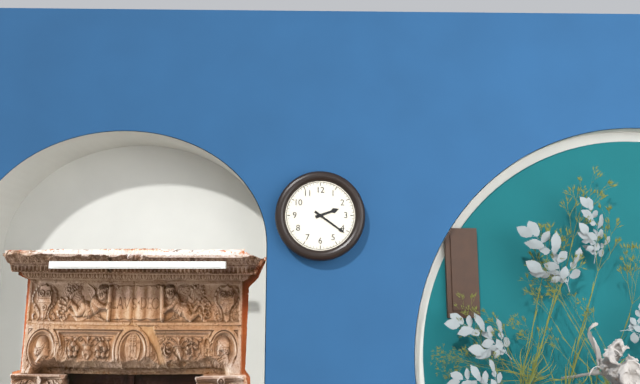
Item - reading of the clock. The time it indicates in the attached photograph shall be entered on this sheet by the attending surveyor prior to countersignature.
2:21
